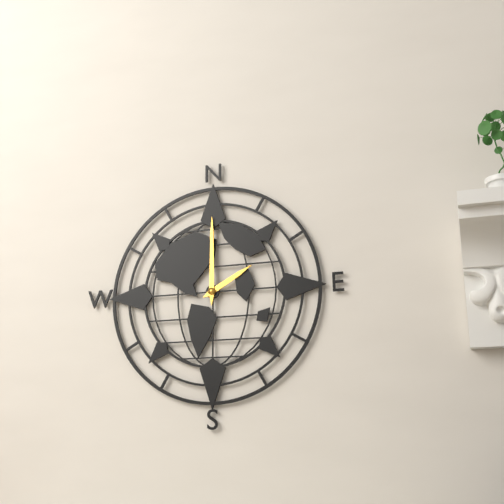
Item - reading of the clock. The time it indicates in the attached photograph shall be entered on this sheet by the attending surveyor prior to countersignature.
2:00
